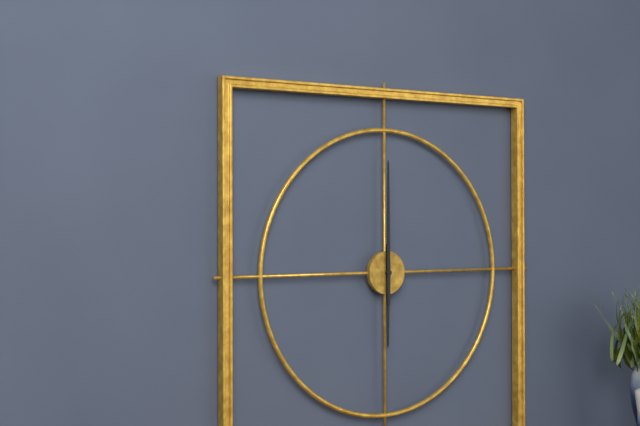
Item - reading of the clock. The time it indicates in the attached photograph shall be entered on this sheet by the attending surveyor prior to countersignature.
6:00
